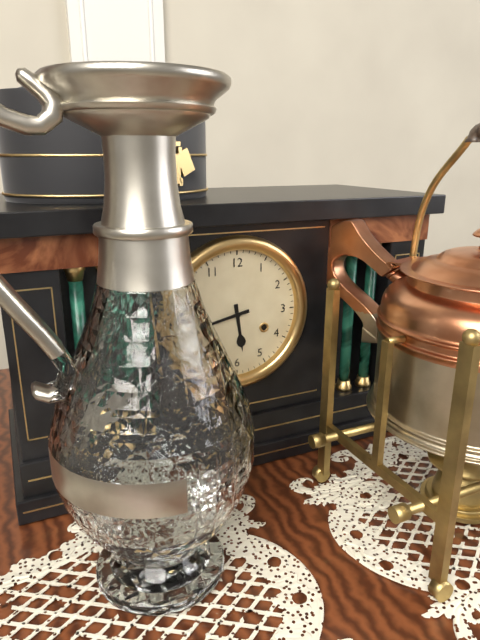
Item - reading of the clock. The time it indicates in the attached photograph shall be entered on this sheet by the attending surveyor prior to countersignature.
5:43
